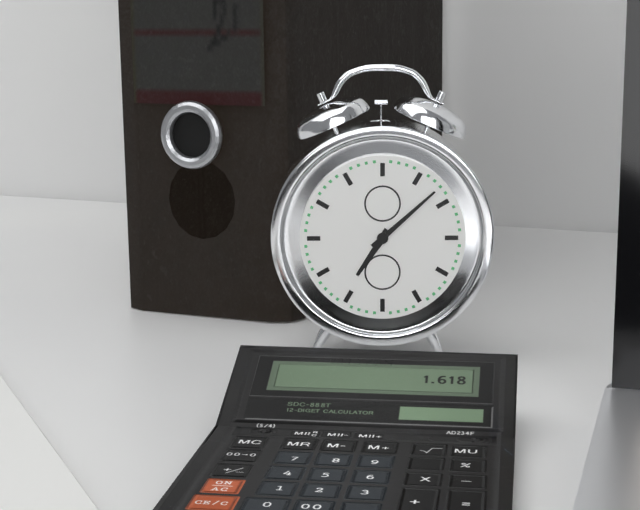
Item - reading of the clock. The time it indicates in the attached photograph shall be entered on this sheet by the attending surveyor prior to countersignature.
7:08
